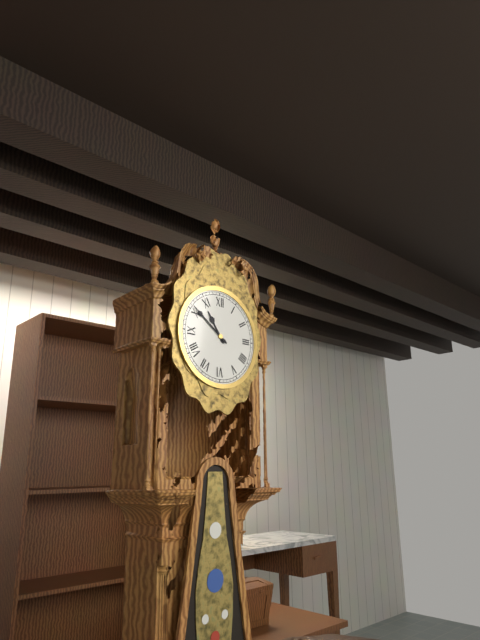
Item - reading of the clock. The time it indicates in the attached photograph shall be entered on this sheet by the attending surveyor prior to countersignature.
10:51
